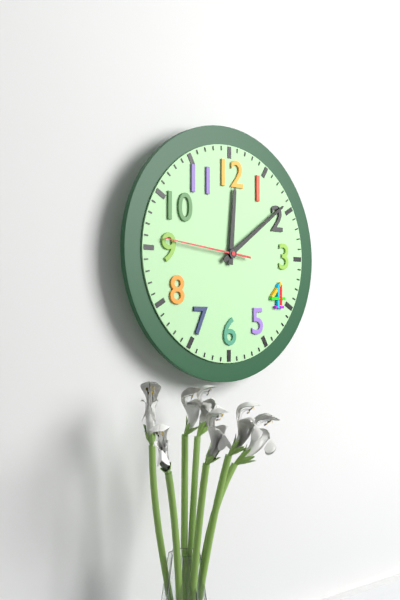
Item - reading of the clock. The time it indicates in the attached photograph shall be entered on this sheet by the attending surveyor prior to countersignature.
12:09:46
